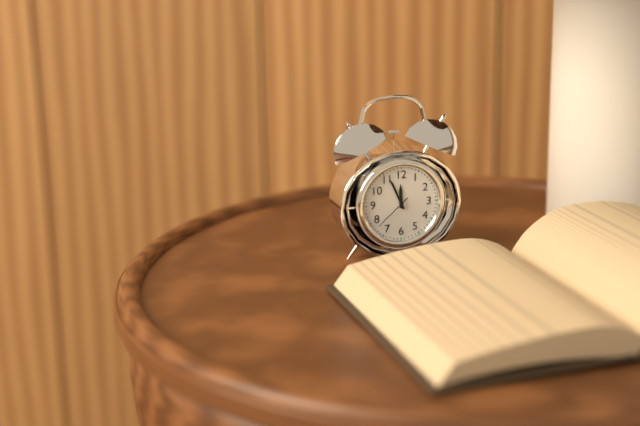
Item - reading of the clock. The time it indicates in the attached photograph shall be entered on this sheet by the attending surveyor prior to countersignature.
11:56
